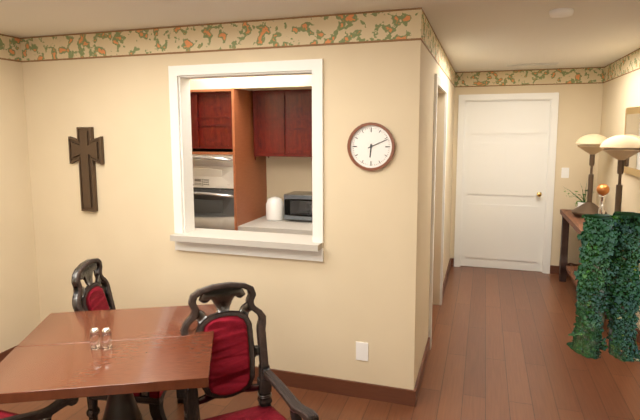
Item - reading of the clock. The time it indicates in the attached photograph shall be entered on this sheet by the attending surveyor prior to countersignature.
6:11
